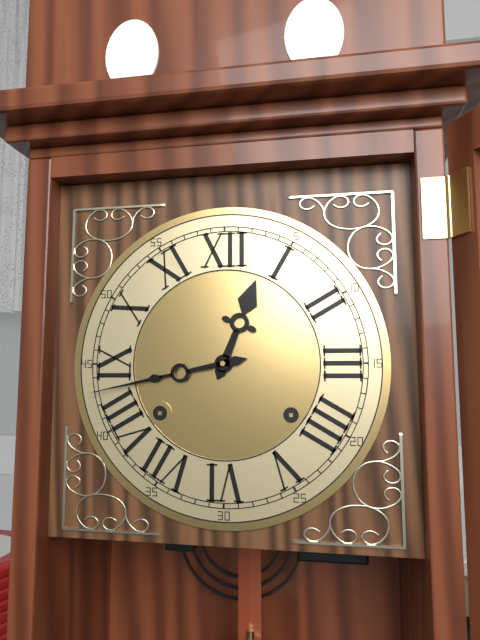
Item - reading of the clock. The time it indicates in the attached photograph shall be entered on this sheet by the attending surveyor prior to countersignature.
12:43
